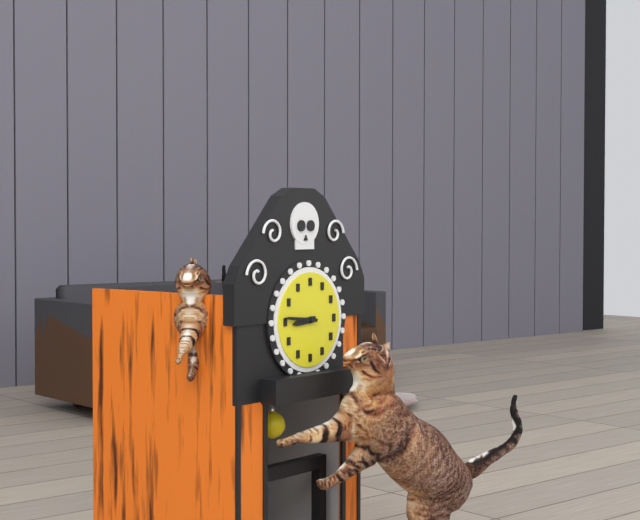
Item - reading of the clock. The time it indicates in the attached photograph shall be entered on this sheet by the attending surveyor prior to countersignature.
8:46
